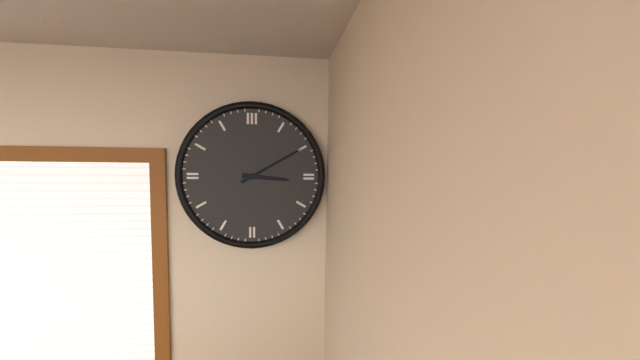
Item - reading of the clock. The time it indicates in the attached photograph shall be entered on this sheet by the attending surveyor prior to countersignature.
3:10
